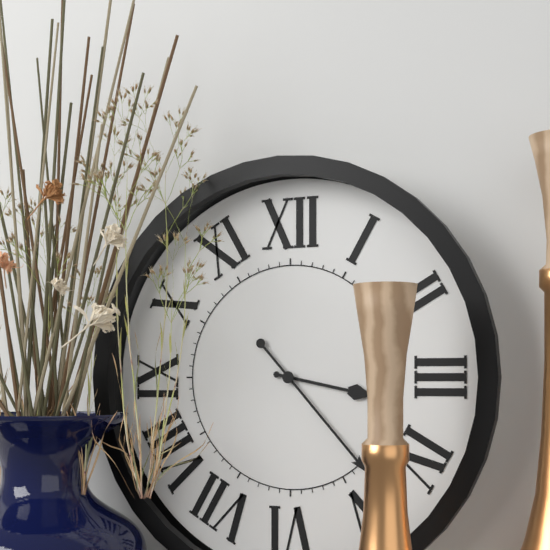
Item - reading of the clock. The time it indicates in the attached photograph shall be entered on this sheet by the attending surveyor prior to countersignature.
3:23
